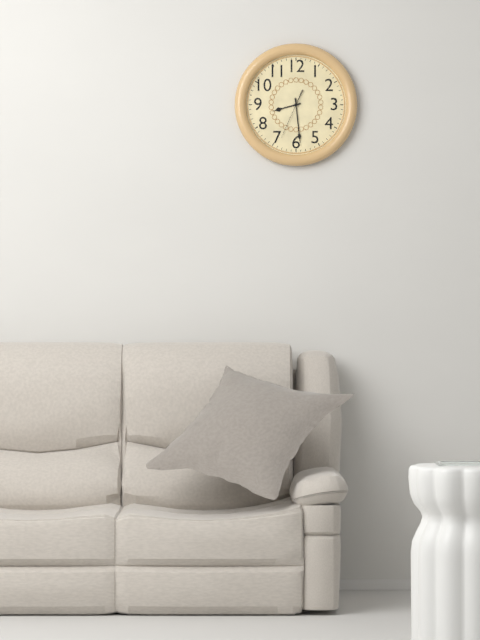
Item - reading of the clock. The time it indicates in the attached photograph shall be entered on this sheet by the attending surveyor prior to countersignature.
8:29
